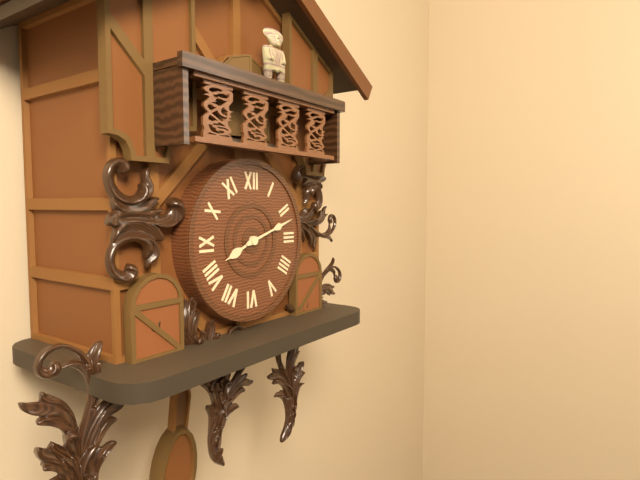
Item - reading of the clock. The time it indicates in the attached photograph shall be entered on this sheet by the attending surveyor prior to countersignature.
8:12
